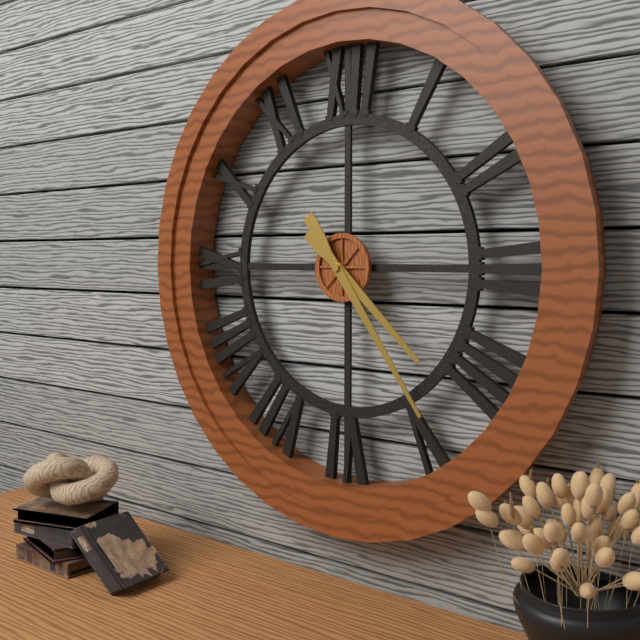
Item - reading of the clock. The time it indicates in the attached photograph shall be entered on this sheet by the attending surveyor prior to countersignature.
4:24
